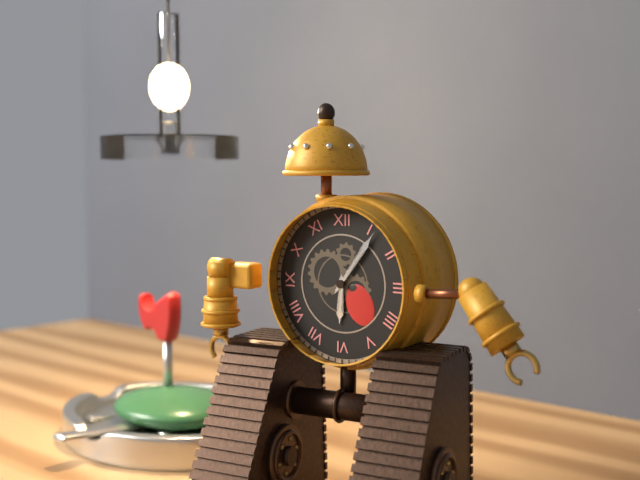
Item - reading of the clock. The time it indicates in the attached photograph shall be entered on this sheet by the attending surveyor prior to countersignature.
6:06
